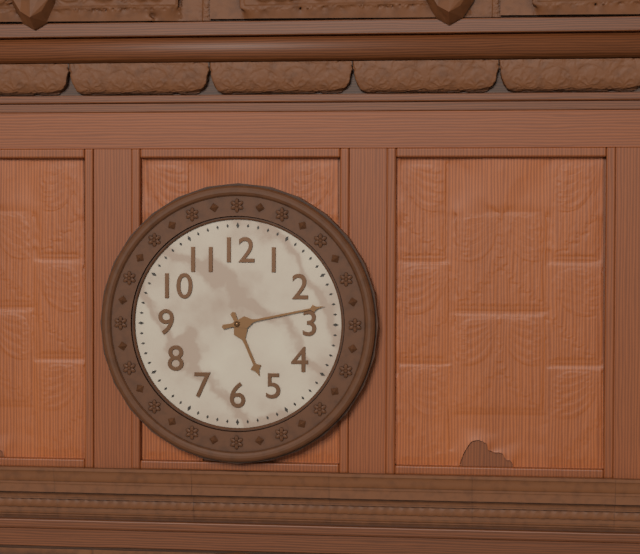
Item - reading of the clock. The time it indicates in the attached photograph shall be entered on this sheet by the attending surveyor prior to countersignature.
5:13
